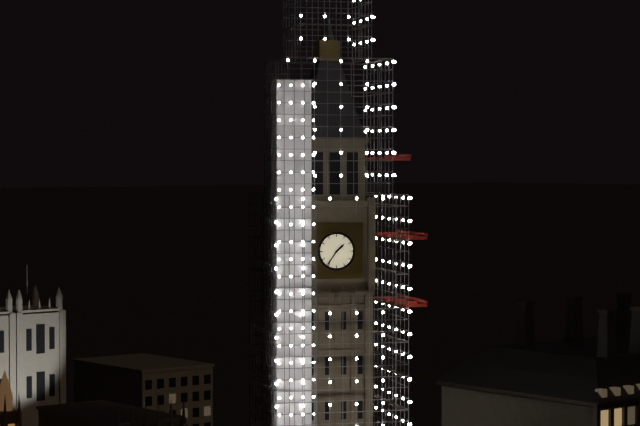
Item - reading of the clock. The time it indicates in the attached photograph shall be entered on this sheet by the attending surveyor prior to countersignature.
1:36
